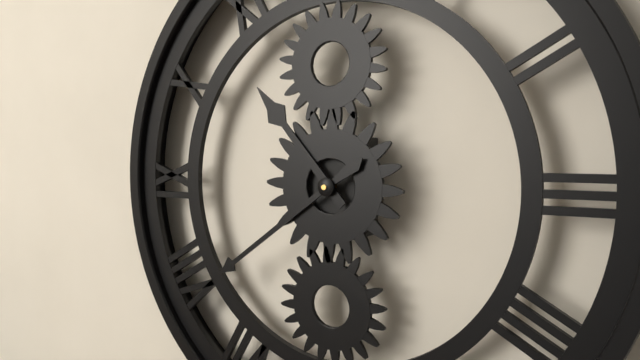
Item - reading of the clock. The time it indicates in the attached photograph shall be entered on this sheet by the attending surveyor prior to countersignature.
10:39
